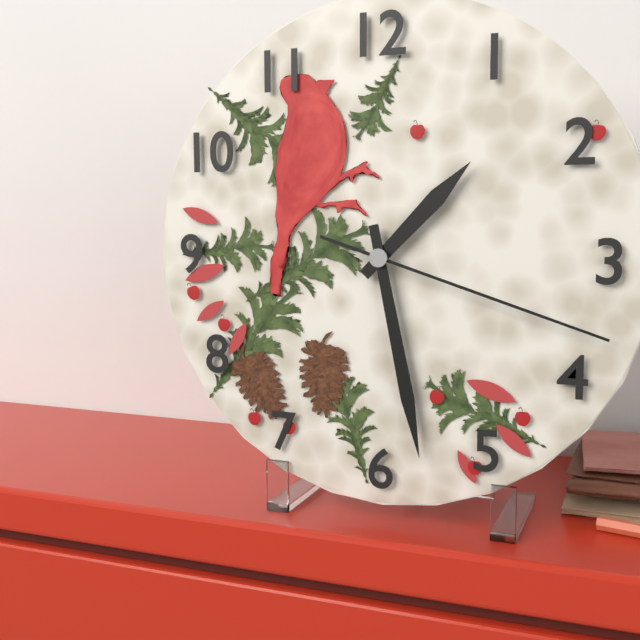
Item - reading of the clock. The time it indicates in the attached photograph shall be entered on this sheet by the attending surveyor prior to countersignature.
1:28:18
